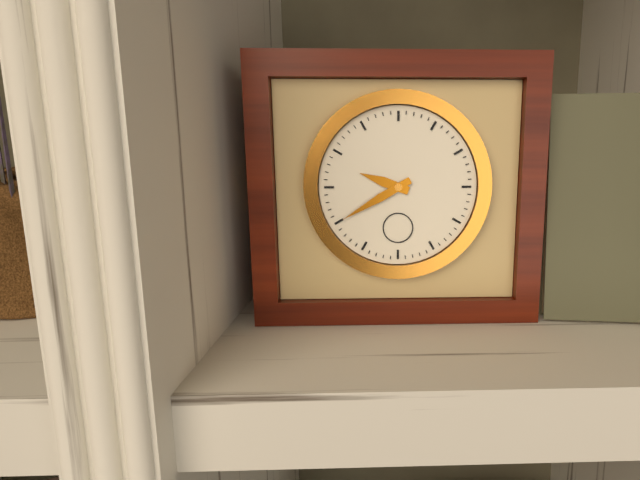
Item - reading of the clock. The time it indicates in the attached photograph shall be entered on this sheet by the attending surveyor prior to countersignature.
9:40
